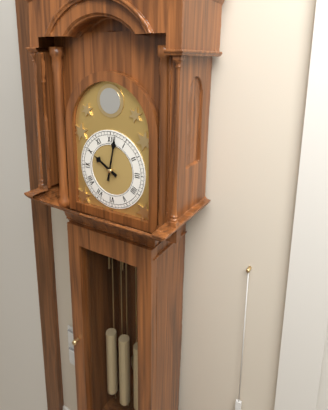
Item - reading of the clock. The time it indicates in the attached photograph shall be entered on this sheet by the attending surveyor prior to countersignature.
10:02
